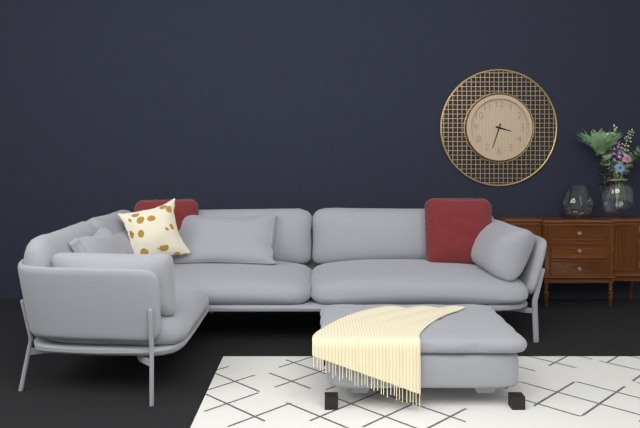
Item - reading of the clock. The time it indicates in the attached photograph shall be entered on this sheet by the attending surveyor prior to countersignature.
3:33
